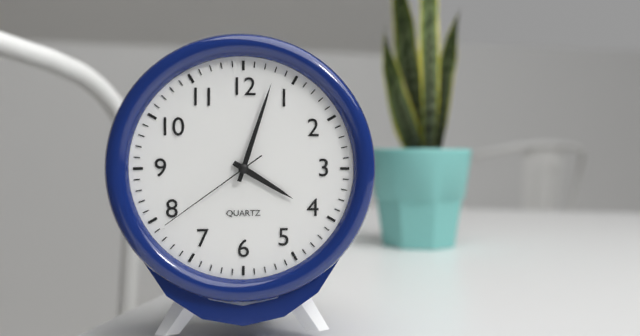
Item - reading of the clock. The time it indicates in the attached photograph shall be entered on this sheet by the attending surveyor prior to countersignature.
4:03:39
